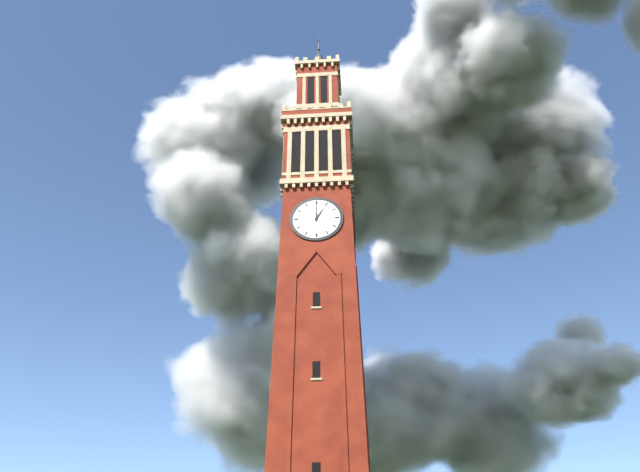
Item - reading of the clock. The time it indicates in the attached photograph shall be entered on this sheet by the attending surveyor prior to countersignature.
1:00
